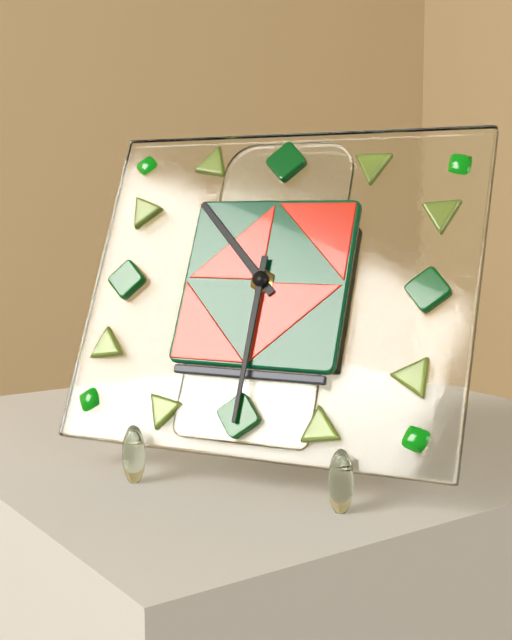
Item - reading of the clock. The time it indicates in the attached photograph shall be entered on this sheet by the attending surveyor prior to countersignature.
10:30
